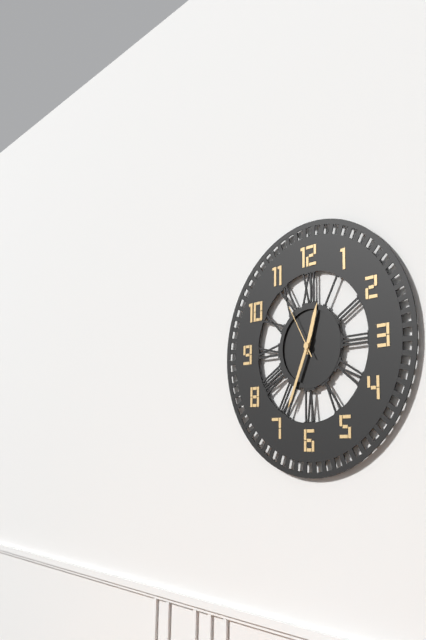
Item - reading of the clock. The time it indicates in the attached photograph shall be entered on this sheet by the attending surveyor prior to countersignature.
12:34:55
